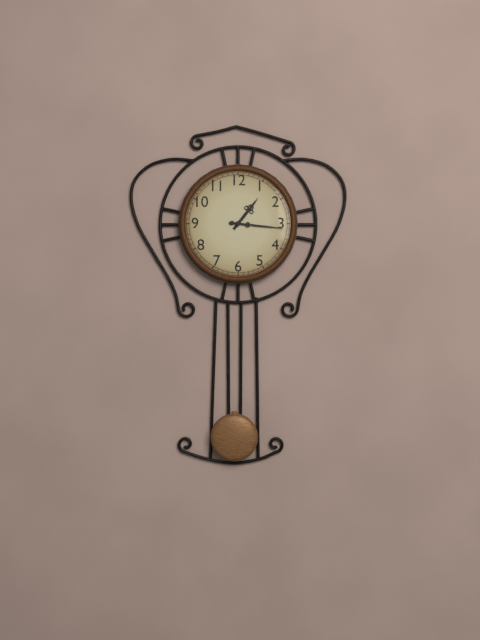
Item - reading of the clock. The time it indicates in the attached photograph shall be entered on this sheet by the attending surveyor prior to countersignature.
1:16
